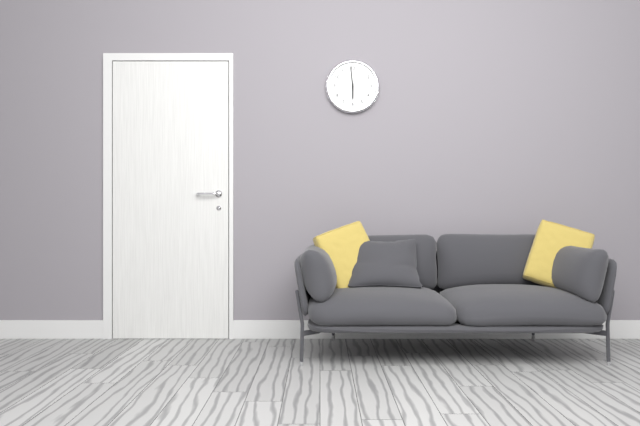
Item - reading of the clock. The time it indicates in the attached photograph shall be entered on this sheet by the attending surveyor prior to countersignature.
5:59
